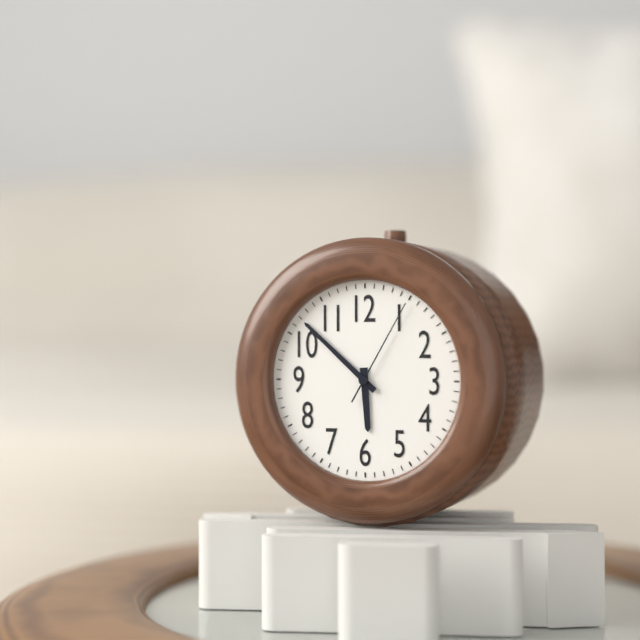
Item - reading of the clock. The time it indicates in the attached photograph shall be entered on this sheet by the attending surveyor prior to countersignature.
5:52:05
